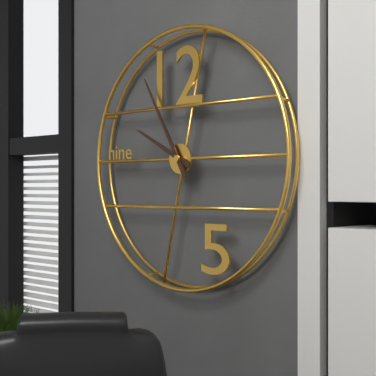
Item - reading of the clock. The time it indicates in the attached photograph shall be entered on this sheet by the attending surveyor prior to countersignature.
9:55
